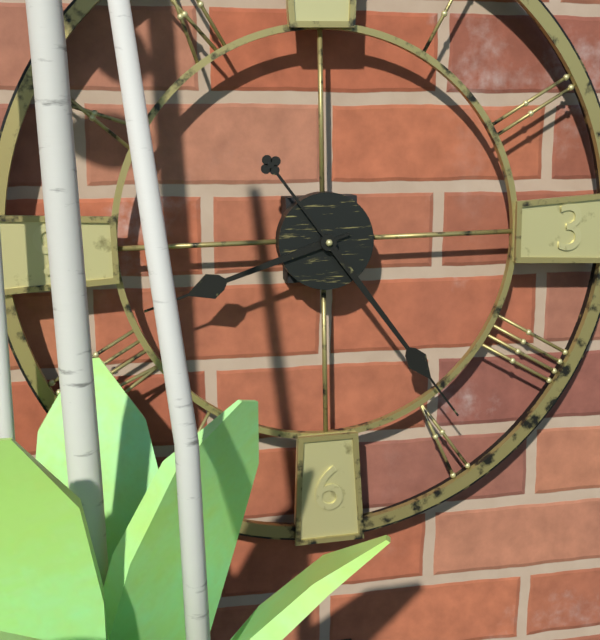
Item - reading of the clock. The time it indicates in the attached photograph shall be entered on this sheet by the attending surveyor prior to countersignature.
8:24
